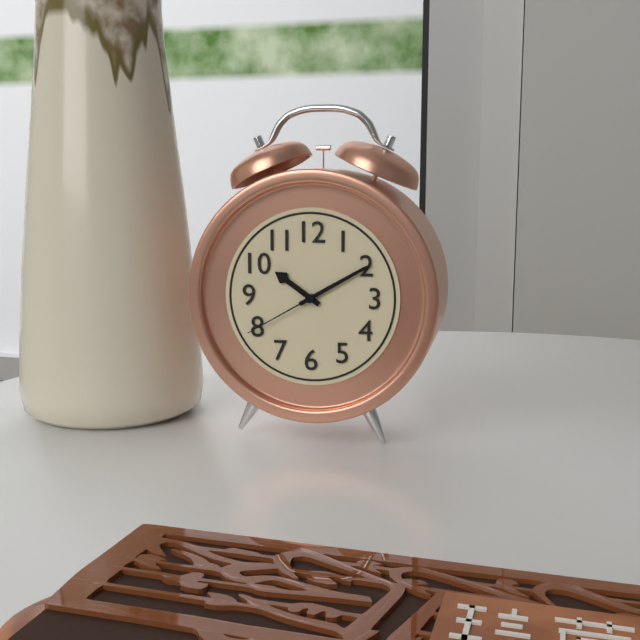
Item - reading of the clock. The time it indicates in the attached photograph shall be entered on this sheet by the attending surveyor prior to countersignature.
10:10:40
